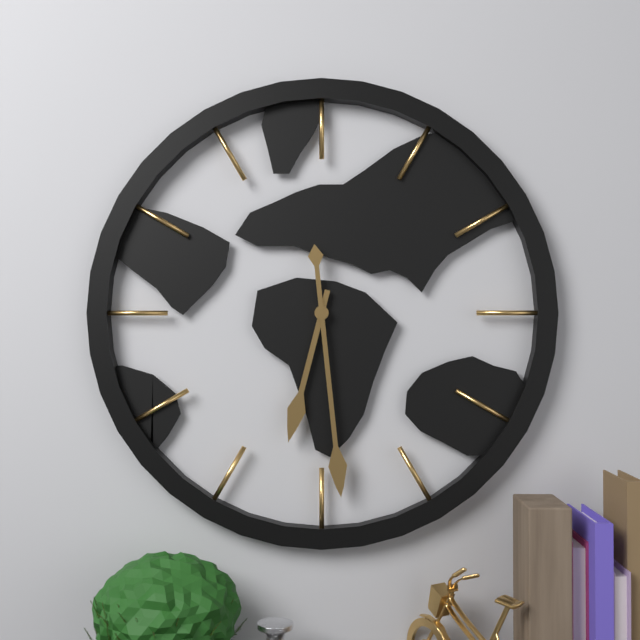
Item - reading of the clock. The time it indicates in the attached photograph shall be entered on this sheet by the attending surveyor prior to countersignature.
6:29
